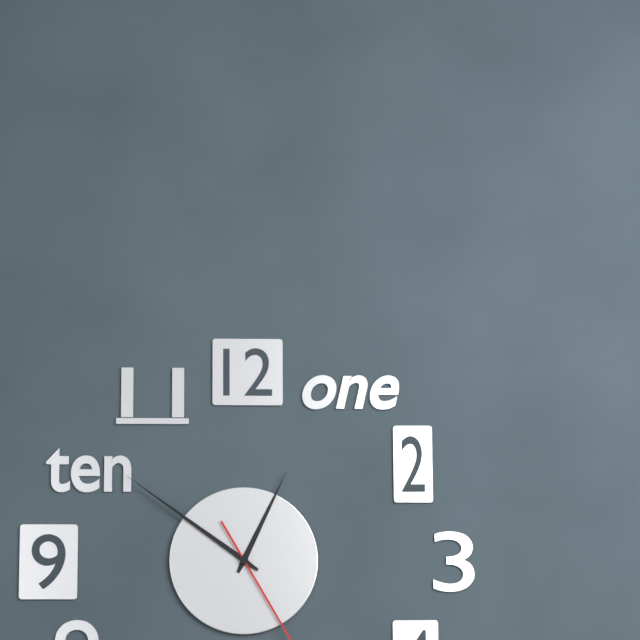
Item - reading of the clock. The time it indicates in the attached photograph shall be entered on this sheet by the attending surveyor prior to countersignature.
12:51
